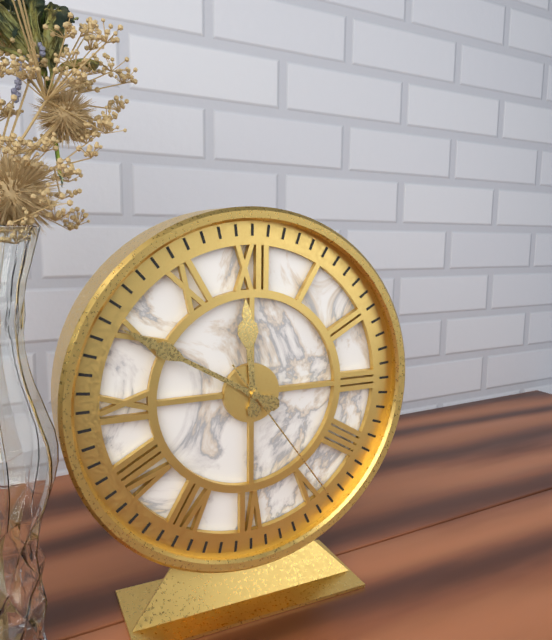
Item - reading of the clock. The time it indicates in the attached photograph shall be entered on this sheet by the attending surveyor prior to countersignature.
11:50:24
